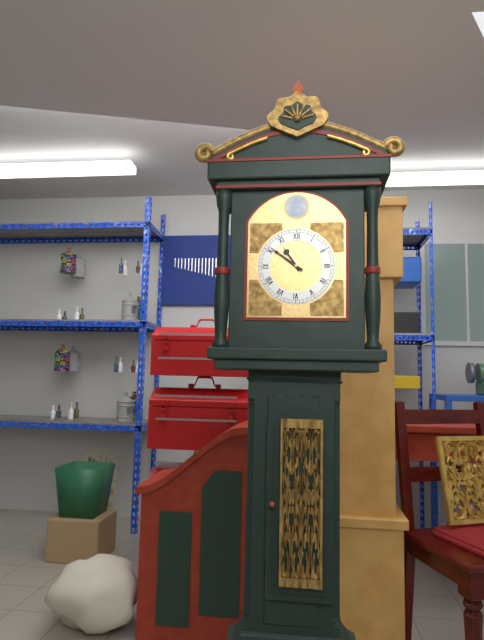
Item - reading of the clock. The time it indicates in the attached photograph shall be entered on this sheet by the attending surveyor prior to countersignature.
10:51
